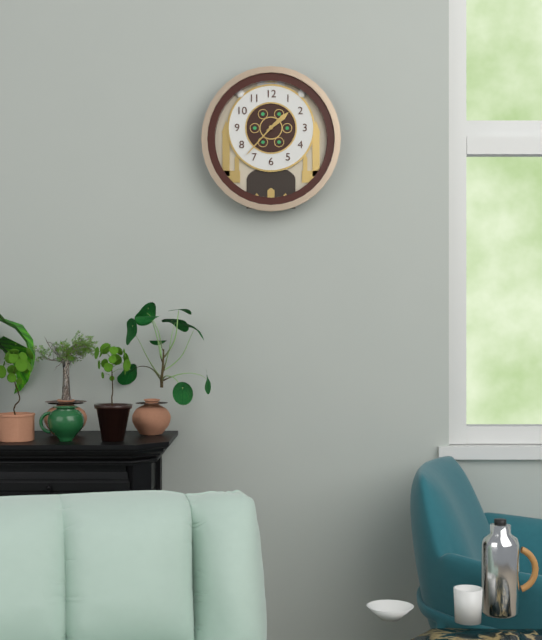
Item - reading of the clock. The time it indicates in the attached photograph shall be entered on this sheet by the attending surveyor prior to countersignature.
1:37
